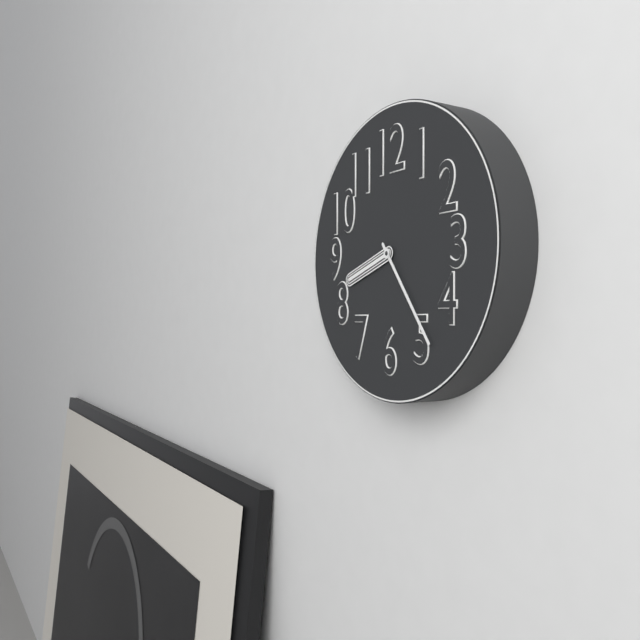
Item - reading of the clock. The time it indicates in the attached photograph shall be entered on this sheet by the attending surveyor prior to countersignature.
8:24
